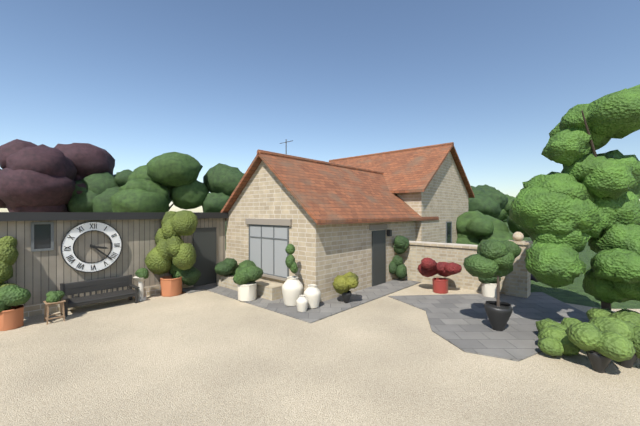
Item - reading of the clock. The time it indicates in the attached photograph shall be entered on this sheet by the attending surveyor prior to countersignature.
3:22
